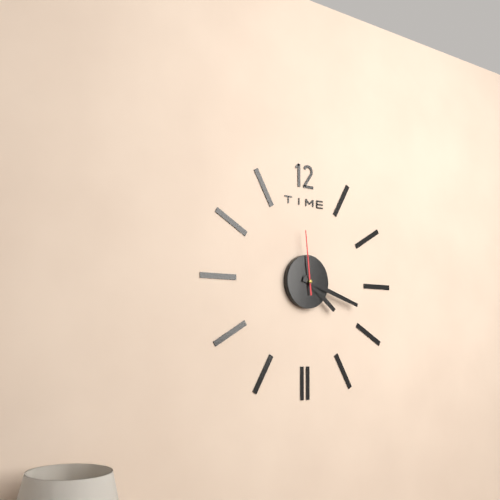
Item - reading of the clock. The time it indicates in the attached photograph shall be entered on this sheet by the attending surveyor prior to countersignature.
4:18:59
